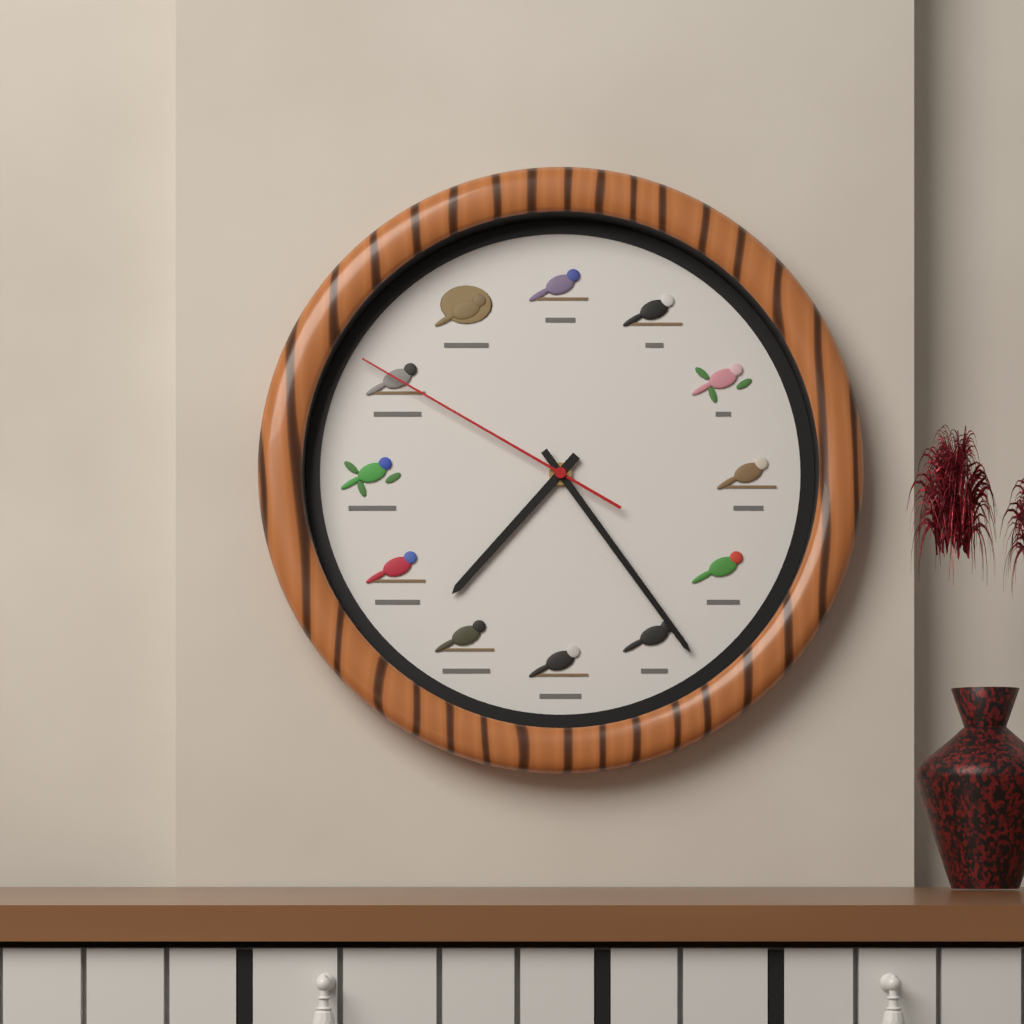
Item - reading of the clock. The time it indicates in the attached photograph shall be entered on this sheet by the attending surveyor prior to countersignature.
7:24:50
